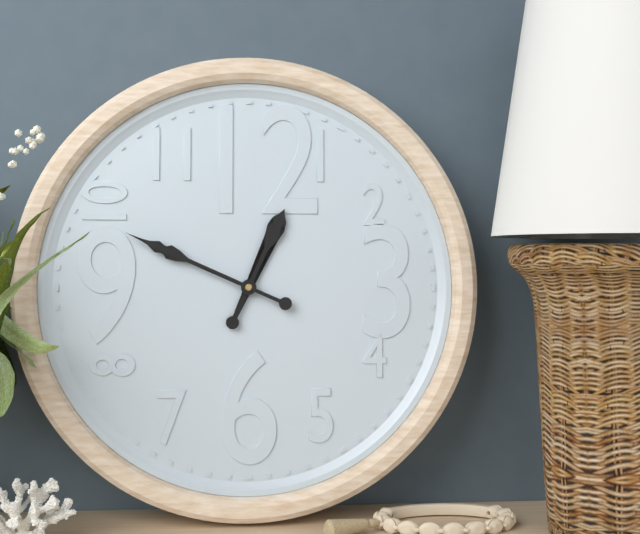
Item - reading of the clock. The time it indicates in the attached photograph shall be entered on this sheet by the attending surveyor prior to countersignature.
12:49
